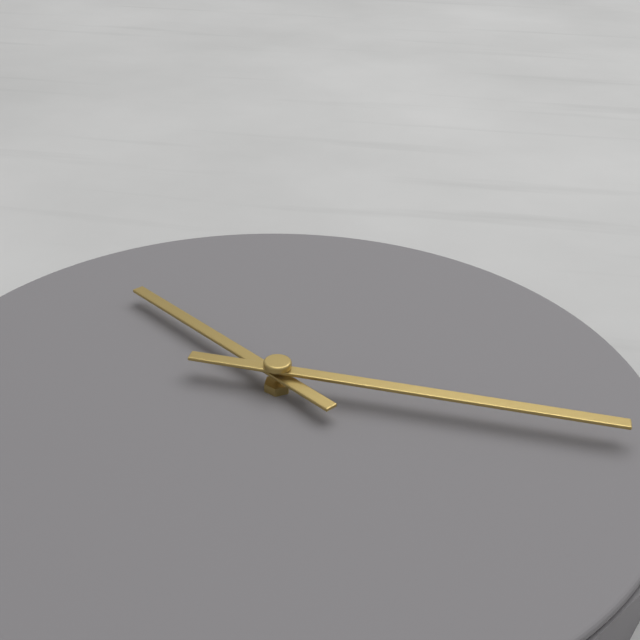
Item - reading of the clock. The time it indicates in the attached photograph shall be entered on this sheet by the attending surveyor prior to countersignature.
10:16
